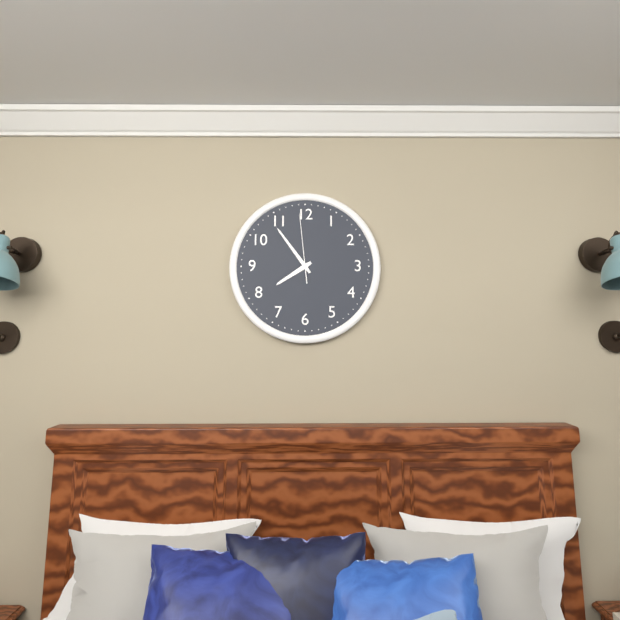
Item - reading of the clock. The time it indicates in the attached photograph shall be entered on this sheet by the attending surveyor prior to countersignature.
7:54:59
